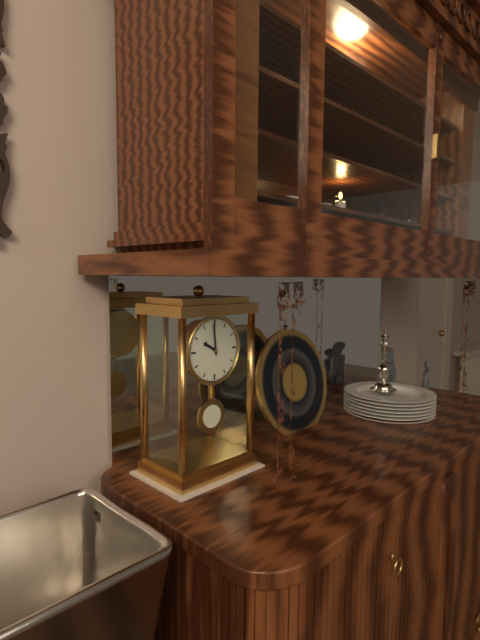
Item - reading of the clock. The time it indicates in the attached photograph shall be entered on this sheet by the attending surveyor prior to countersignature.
9:59
